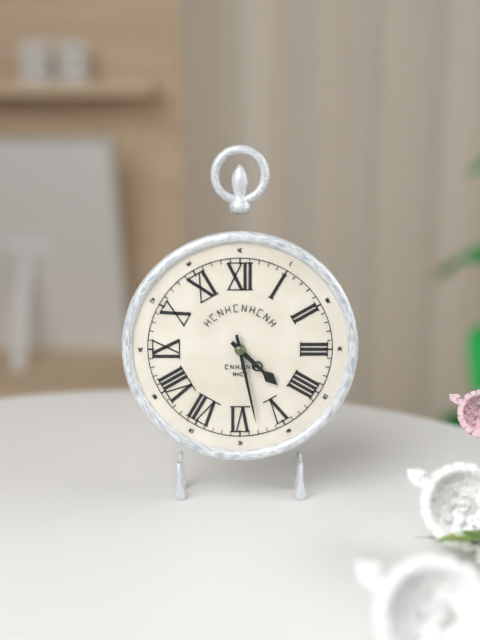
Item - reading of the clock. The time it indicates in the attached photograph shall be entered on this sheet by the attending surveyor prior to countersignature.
4:28
